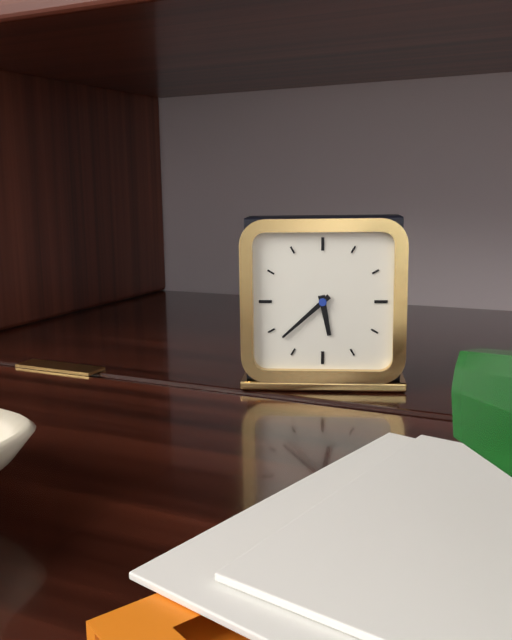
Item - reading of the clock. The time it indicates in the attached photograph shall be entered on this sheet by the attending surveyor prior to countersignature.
5:38
